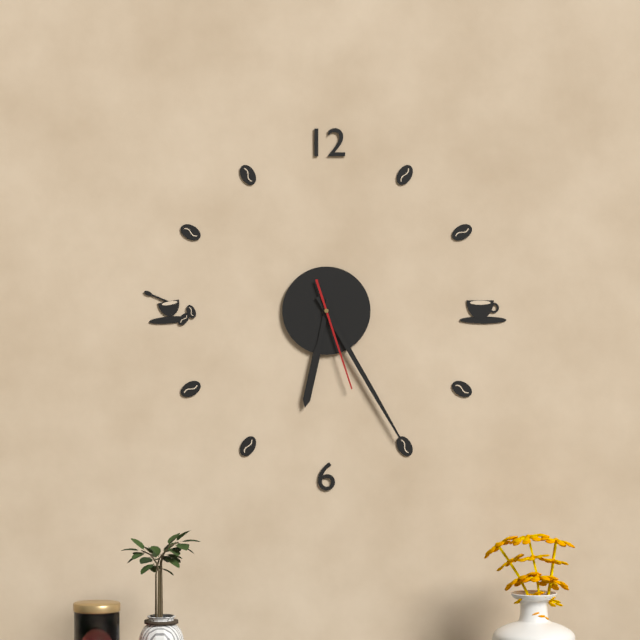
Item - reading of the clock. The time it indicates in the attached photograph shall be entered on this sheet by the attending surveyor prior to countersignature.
6:25:27
